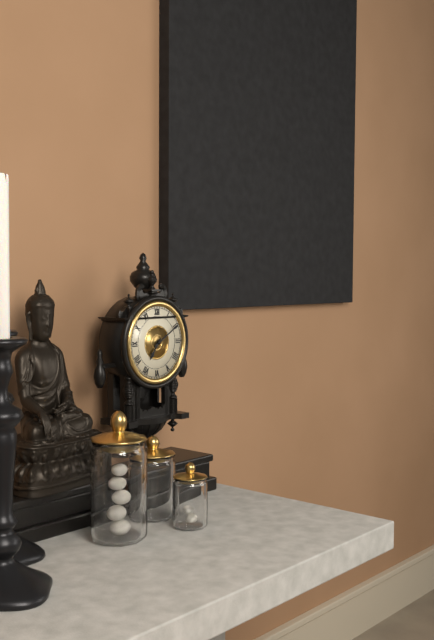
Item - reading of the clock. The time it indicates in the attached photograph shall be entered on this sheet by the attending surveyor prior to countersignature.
7:10
